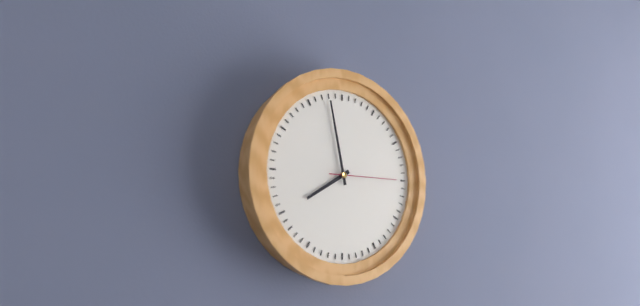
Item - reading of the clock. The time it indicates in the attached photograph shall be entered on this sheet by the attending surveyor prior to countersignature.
7:58:15
